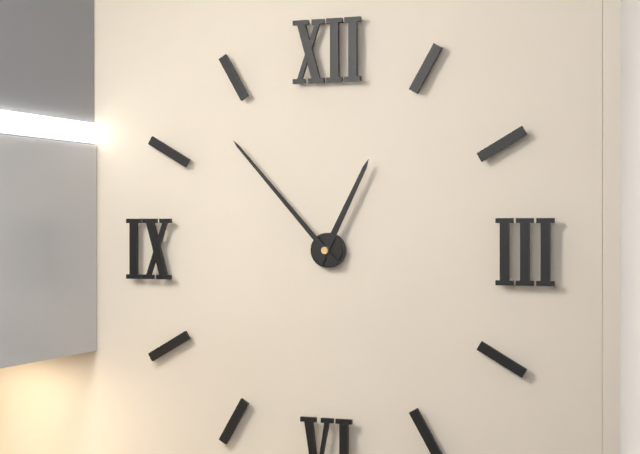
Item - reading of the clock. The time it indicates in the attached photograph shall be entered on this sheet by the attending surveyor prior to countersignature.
12:53
